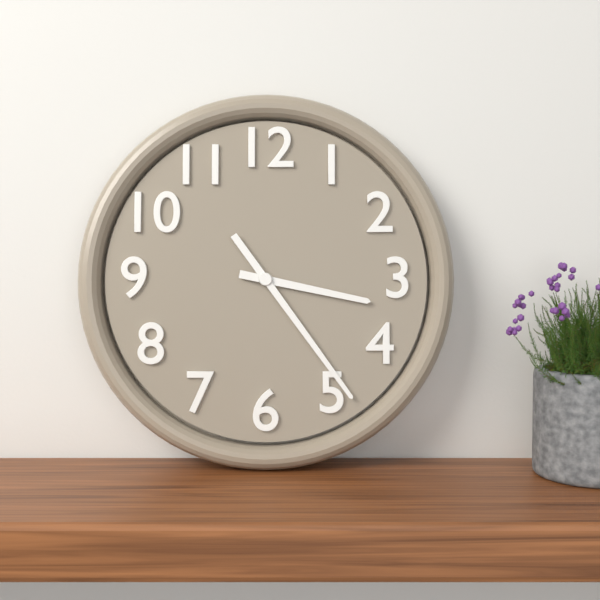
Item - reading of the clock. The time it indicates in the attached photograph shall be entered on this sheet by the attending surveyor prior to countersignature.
3:24
